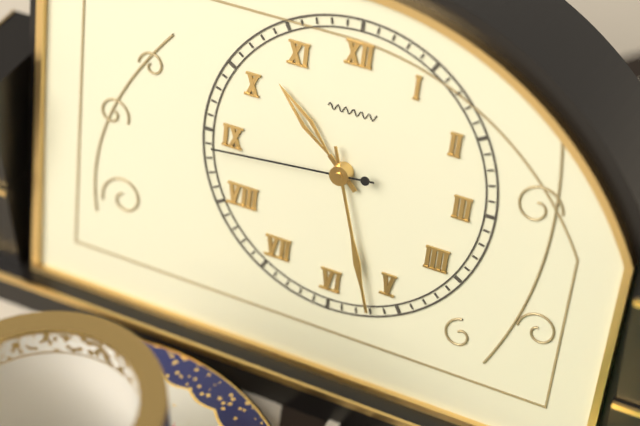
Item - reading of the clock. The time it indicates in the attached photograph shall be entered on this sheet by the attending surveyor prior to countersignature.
10:27:44
